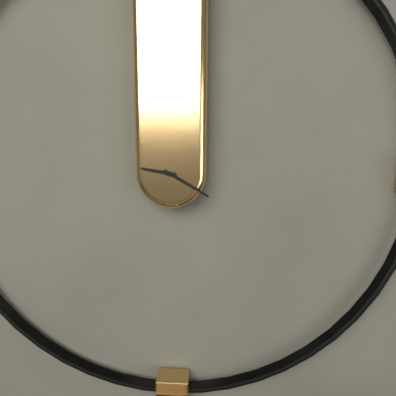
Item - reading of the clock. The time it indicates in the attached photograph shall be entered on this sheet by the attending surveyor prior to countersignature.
9:20
